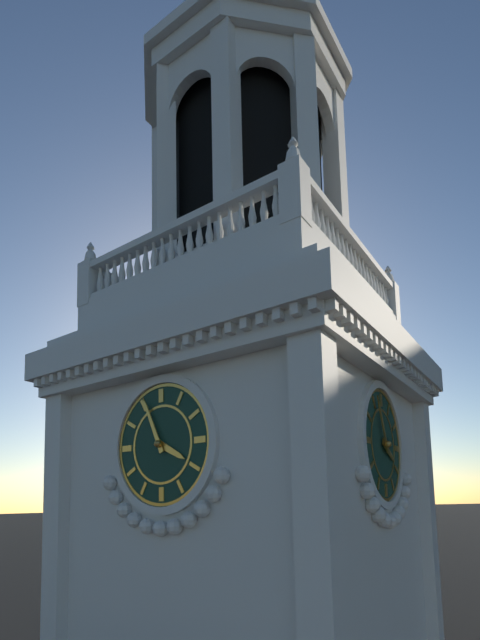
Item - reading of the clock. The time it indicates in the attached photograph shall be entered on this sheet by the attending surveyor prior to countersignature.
3:56
